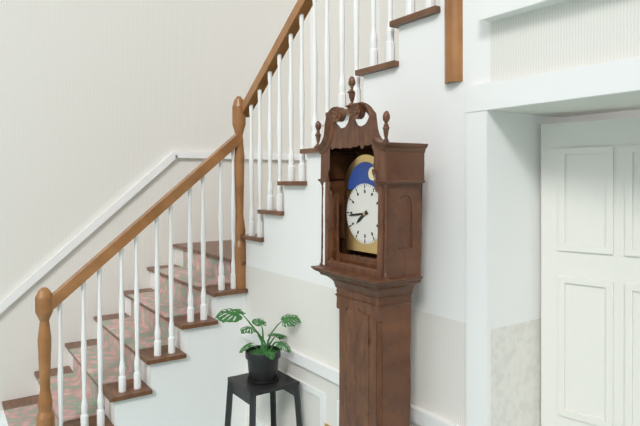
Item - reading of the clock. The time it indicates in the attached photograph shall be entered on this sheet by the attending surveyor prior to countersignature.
7:44
